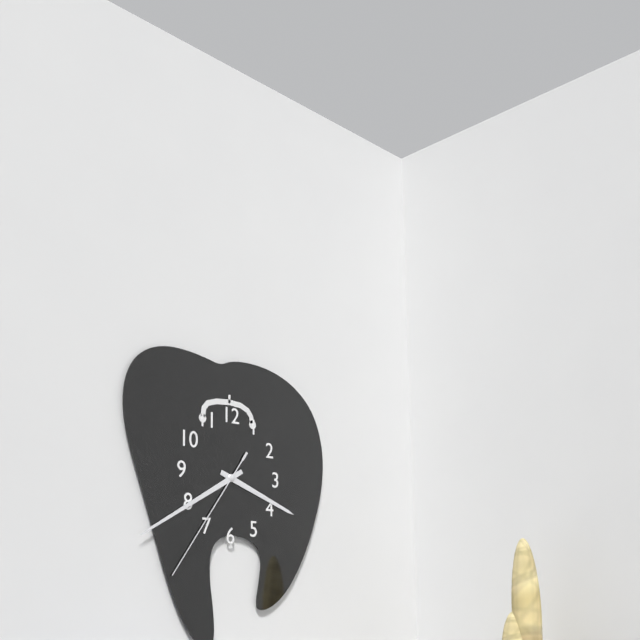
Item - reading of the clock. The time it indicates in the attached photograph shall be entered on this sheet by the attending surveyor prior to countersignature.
3:40:36
